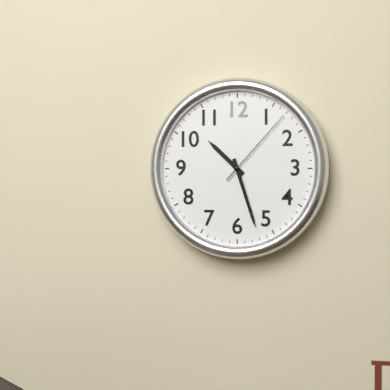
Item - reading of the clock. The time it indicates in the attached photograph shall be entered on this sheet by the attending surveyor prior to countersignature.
10:27:07
